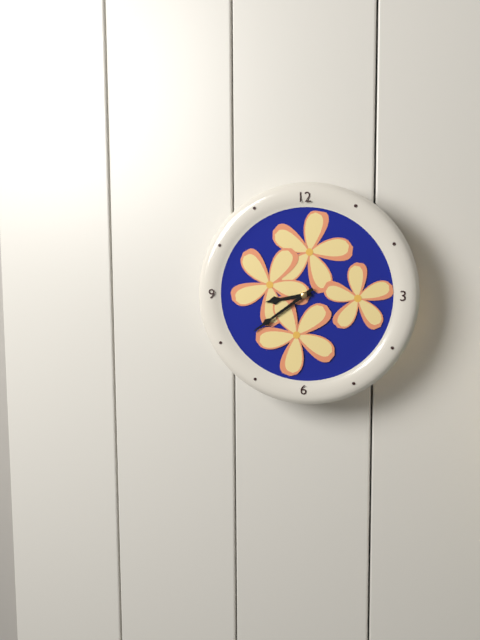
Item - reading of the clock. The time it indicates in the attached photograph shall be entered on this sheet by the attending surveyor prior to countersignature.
8:39
